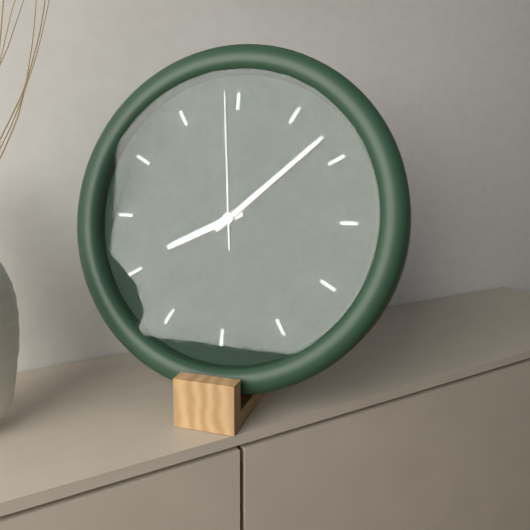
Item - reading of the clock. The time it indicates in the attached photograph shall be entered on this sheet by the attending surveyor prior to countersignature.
8:08:59
